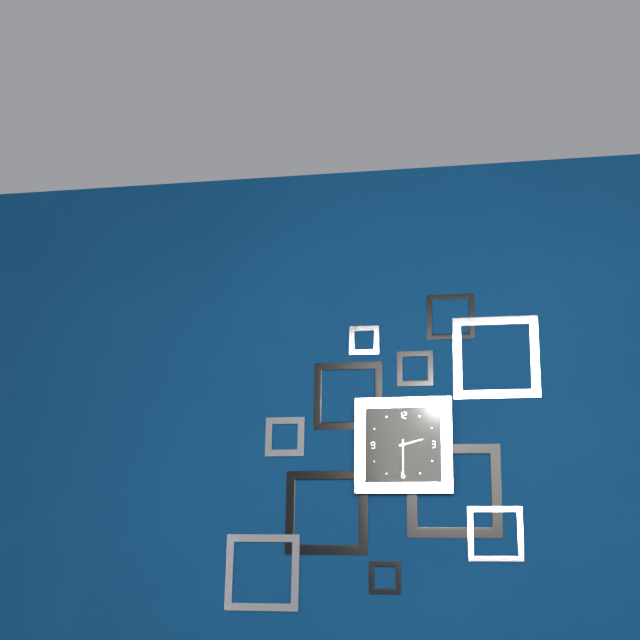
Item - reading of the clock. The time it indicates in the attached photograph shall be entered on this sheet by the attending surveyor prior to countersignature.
2:30
